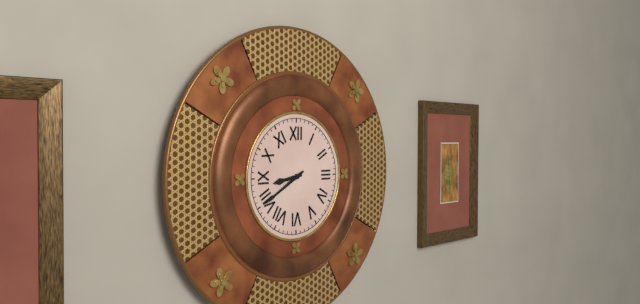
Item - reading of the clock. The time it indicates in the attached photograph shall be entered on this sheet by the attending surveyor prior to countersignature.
8:40
